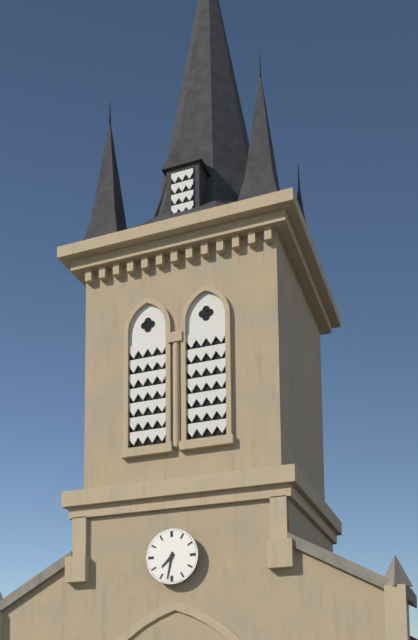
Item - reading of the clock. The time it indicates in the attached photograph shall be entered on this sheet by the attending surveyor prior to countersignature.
7:32
